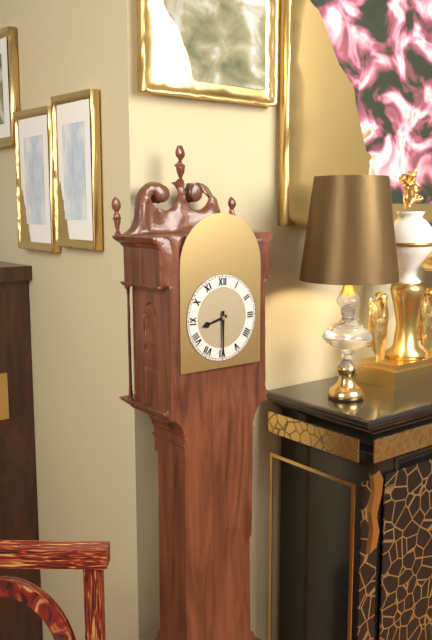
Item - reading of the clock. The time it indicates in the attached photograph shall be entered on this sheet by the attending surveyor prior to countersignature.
8:30
